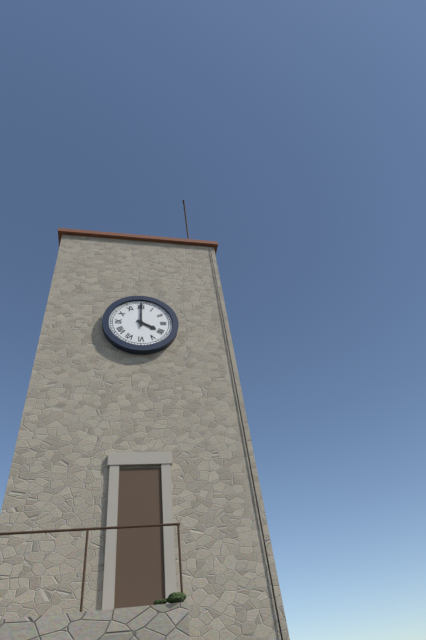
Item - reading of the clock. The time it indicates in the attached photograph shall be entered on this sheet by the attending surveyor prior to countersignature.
4:00
